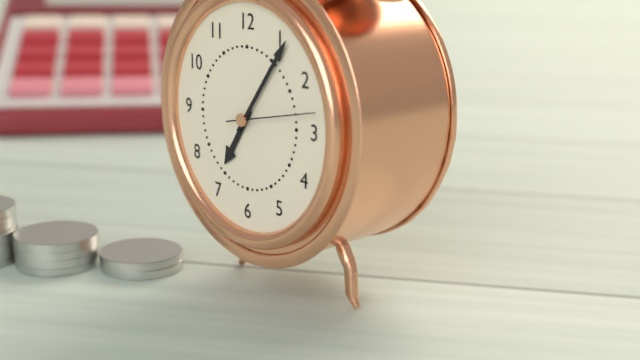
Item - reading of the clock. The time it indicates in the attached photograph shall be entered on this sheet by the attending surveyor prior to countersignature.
7:06:13
